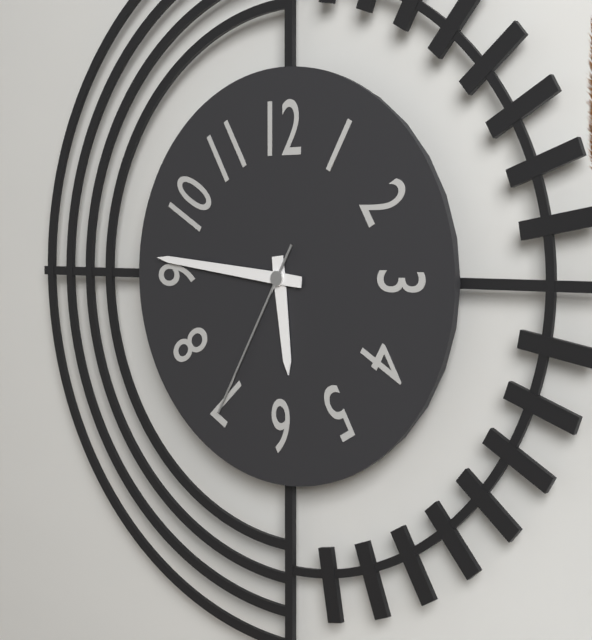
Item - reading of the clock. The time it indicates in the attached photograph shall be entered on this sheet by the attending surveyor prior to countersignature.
5:46:35
